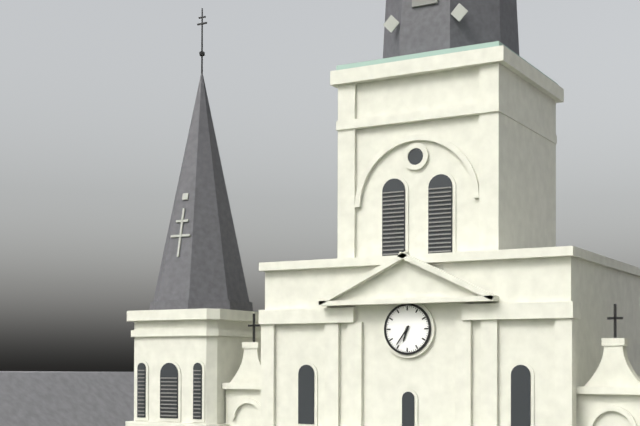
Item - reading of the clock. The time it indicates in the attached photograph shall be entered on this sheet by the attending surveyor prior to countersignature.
6:36
